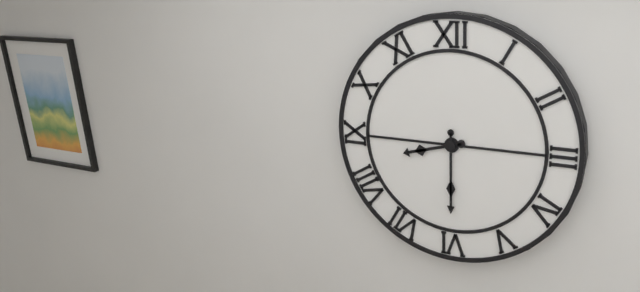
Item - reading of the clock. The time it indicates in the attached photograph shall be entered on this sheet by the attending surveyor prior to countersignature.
8:30
